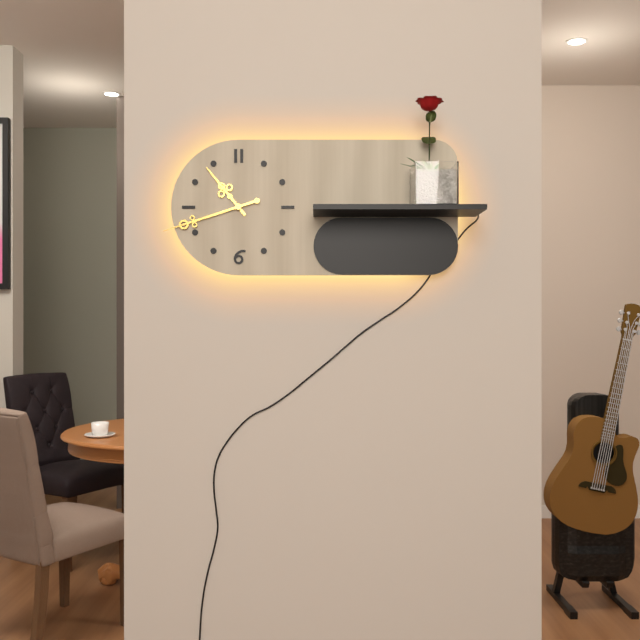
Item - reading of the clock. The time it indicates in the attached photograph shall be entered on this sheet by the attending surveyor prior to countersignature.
10:42
